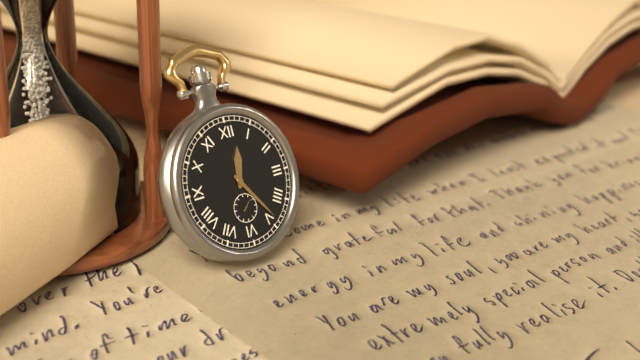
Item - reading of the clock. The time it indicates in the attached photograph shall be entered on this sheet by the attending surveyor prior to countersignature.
12:24
